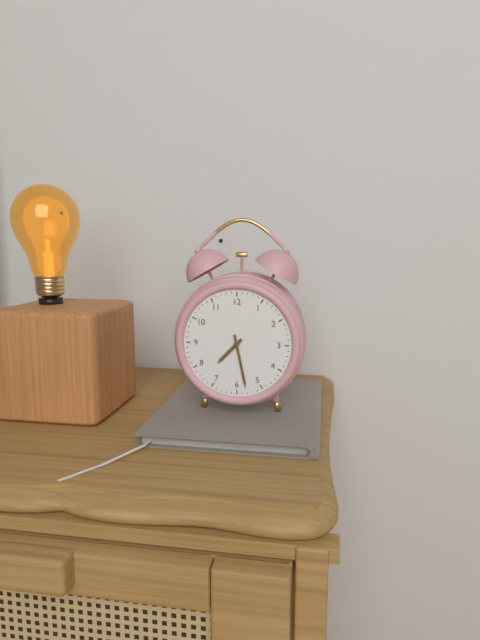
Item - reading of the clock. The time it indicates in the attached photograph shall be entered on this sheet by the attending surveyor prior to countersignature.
7:28
